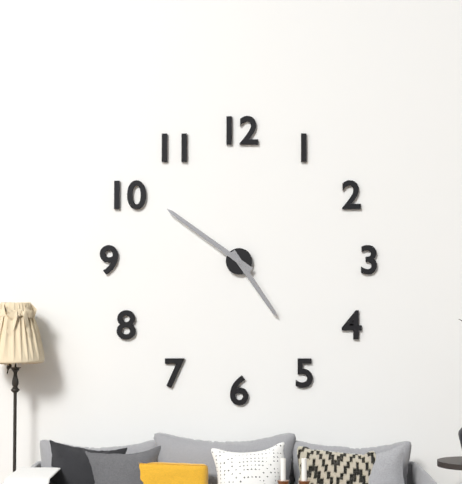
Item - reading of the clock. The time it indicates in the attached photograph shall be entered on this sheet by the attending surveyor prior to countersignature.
4:51
